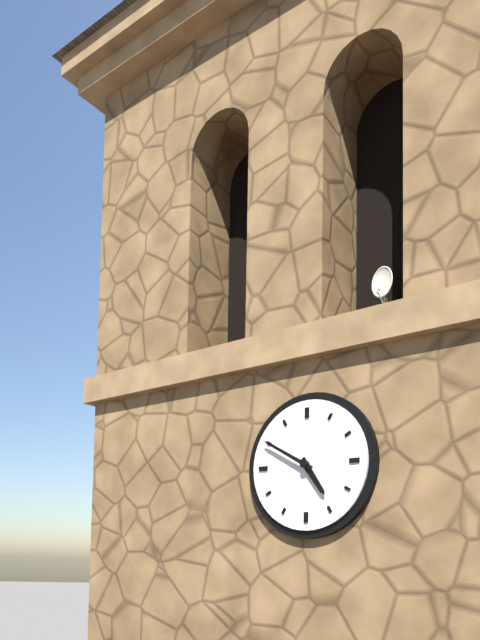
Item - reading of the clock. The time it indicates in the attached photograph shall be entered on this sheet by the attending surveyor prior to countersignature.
4:50
